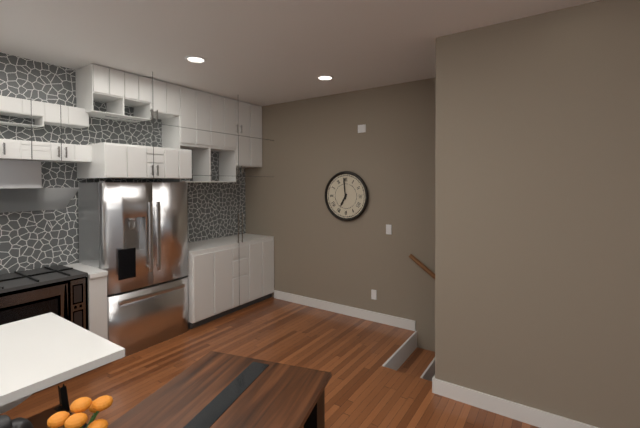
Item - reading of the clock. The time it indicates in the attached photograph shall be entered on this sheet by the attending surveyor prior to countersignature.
6:59
